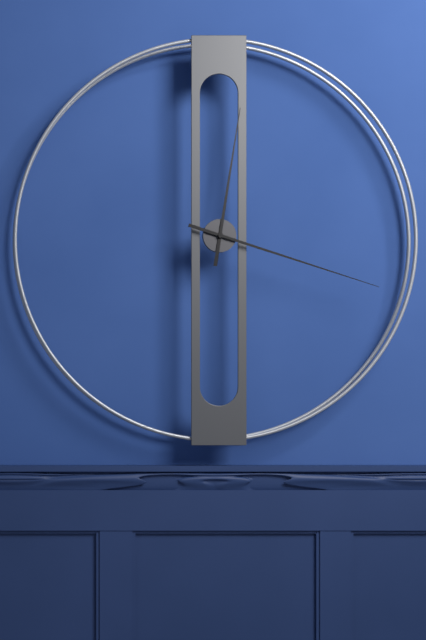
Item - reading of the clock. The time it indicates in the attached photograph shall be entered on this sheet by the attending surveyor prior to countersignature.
12:18
